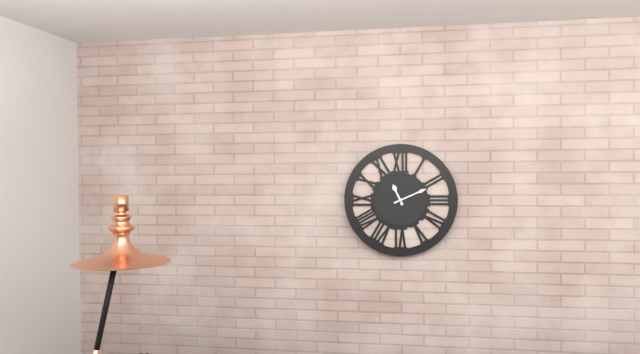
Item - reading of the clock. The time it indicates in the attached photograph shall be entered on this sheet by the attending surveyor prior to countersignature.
11:11
